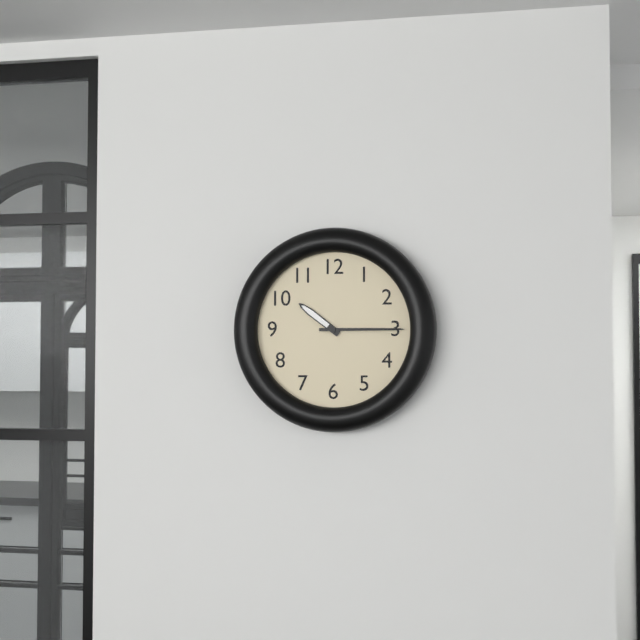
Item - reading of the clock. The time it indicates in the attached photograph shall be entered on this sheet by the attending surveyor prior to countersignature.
10:15
